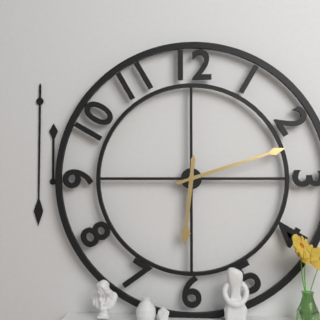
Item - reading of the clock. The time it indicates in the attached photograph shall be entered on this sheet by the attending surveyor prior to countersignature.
6:12
